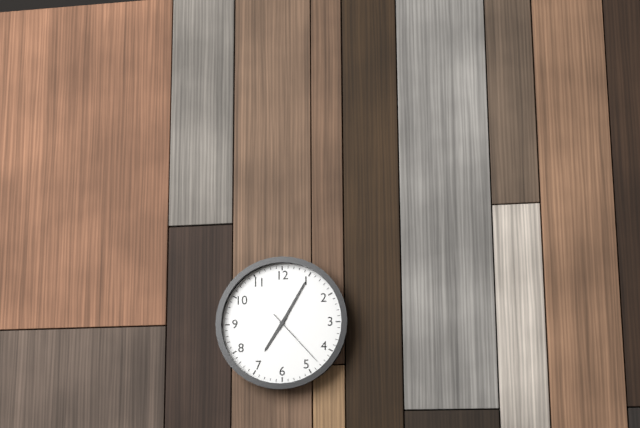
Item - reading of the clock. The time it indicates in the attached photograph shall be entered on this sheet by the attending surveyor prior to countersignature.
7:05:23
